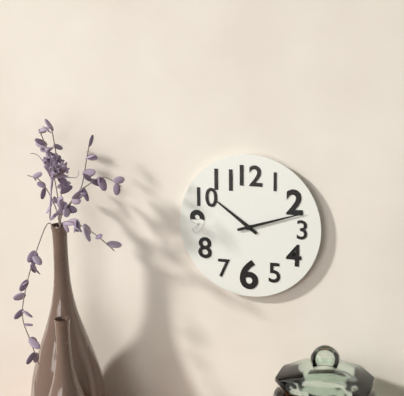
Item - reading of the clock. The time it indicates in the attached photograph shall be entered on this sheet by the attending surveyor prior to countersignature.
10:12
